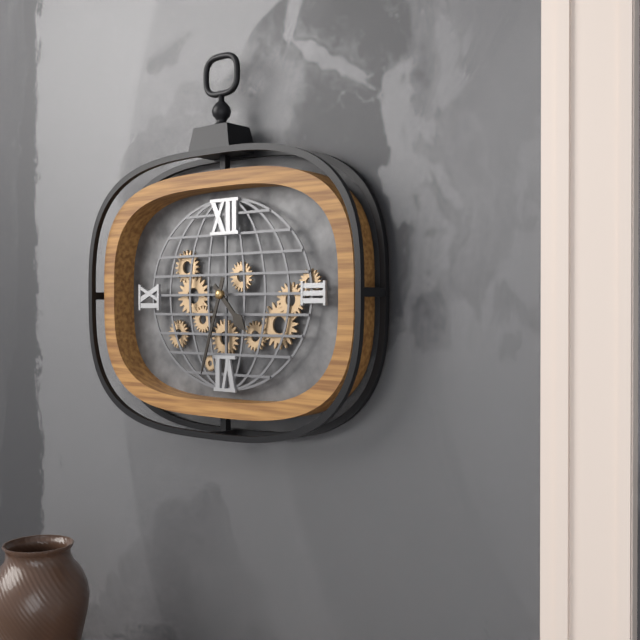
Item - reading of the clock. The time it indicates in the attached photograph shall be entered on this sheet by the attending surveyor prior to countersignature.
4:33
